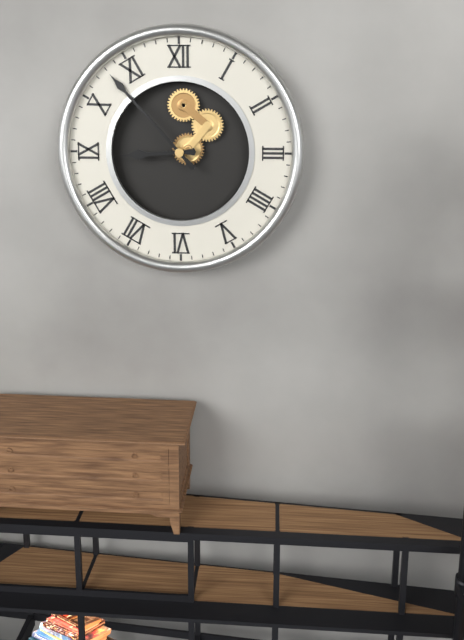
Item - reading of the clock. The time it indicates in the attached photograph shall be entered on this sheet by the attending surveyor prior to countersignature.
8:53
